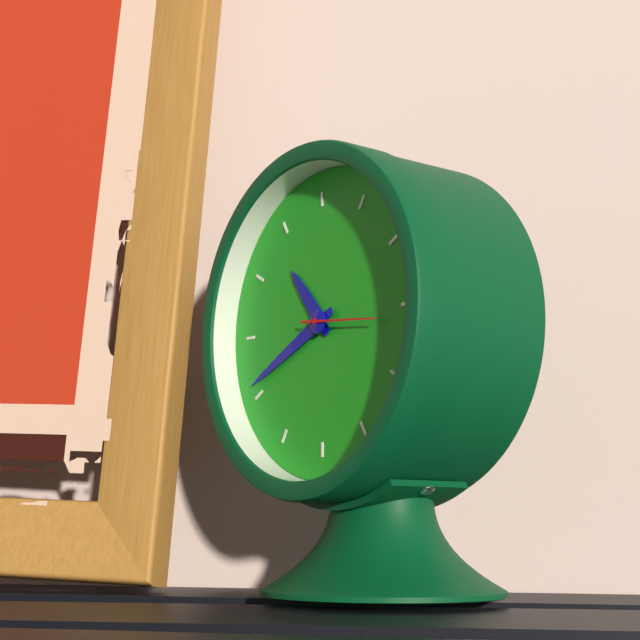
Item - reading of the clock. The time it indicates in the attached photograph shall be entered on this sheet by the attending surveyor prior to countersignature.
10:41:16
